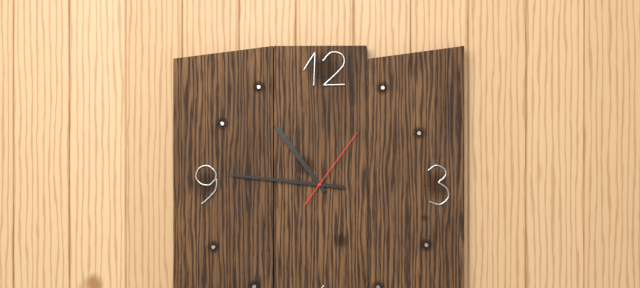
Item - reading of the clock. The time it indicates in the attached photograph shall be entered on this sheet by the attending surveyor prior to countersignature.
10:46:06
